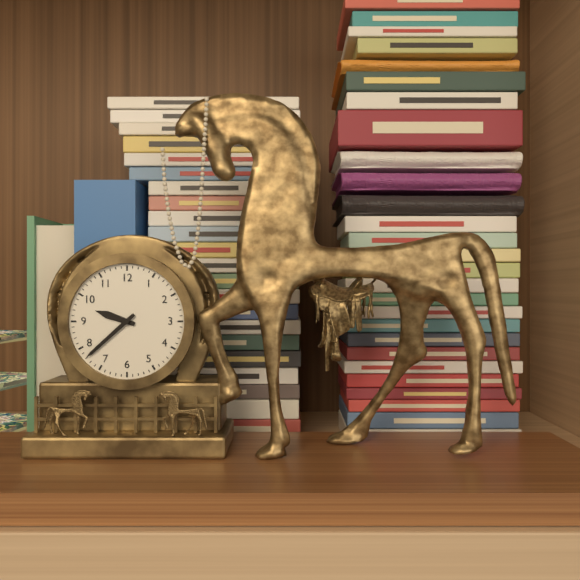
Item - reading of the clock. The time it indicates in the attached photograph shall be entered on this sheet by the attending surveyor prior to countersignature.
9:38
